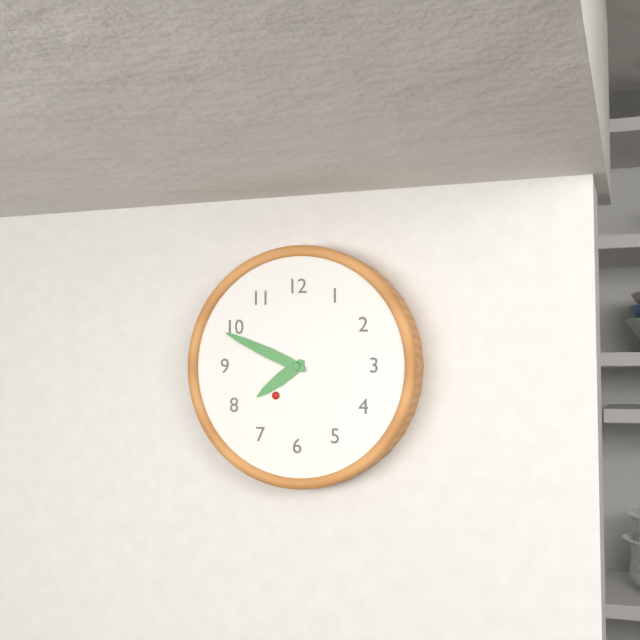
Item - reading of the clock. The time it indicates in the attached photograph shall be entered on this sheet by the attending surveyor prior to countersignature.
7:49
